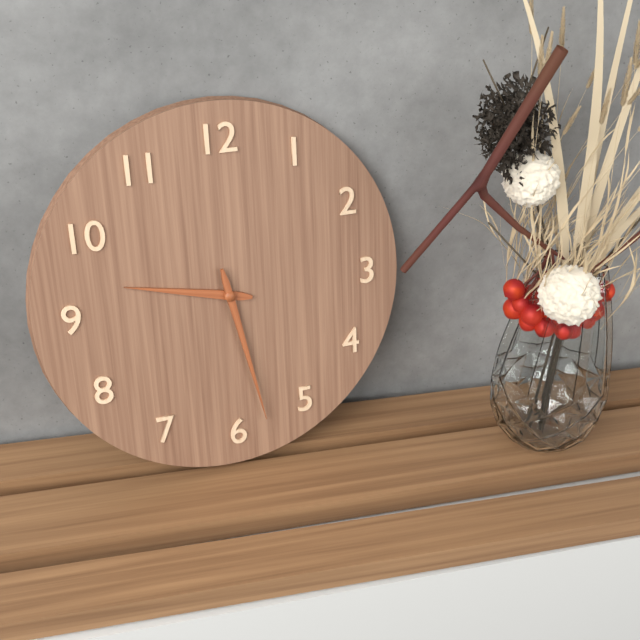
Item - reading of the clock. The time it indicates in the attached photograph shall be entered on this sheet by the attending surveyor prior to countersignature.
9:28
